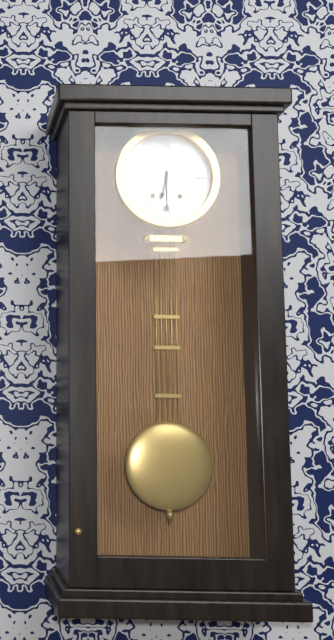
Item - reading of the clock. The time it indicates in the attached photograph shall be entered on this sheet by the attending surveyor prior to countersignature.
6:30
